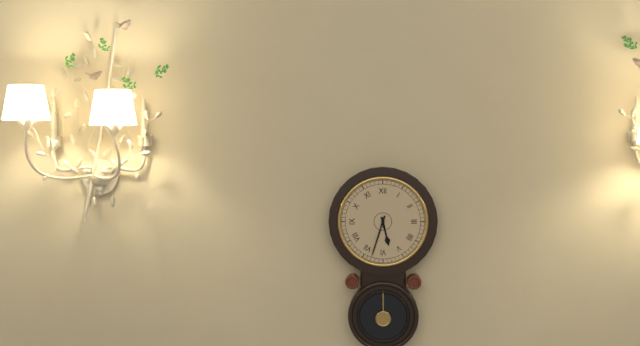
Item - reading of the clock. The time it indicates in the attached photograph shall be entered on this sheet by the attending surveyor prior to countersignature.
5:33
